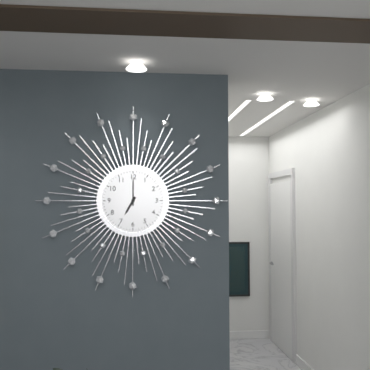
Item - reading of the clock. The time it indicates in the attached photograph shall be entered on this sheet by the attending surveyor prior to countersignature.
7:00
